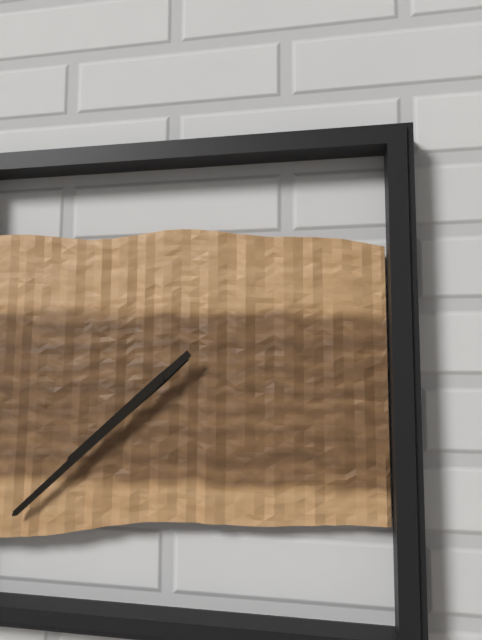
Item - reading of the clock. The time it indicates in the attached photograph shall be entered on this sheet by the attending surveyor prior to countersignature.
7:38
